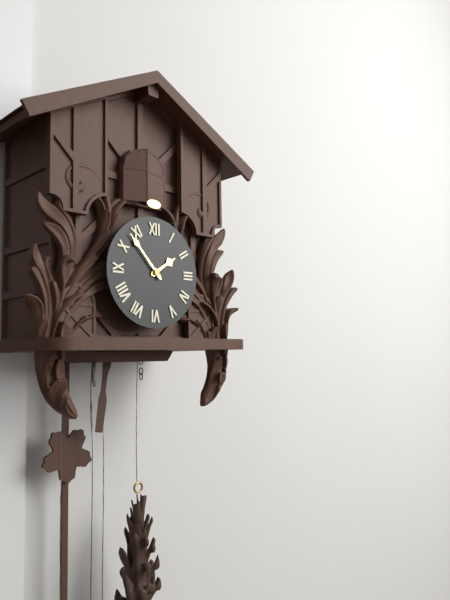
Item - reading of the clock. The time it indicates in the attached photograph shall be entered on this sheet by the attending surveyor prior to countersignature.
1:53
